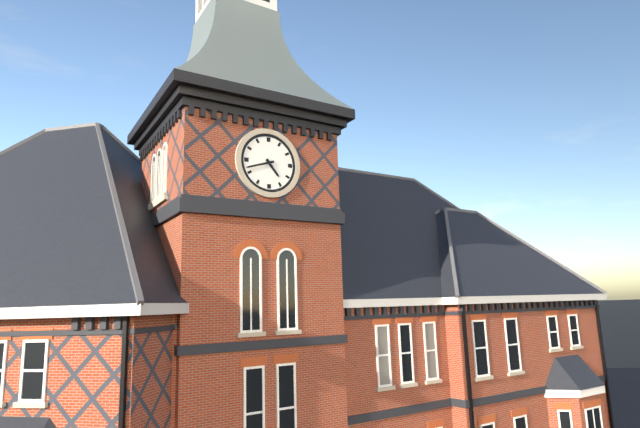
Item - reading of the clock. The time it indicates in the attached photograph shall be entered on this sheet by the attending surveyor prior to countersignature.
4:42
